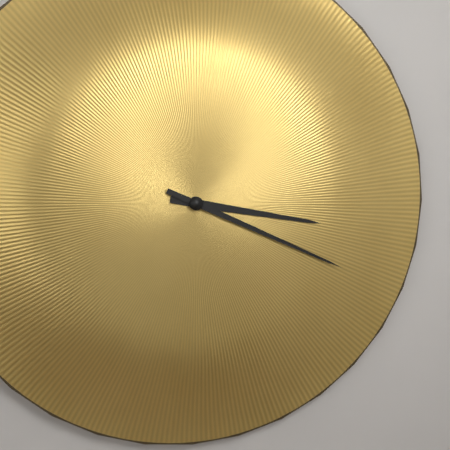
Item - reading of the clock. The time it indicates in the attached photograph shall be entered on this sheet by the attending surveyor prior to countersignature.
3:19
